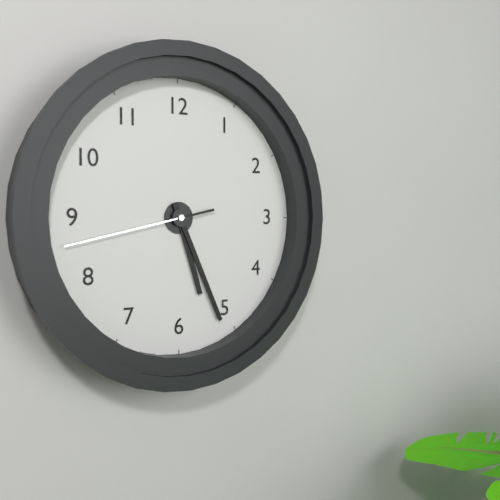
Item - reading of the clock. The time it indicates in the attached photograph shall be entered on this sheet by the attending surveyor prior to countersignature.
5:26:43
